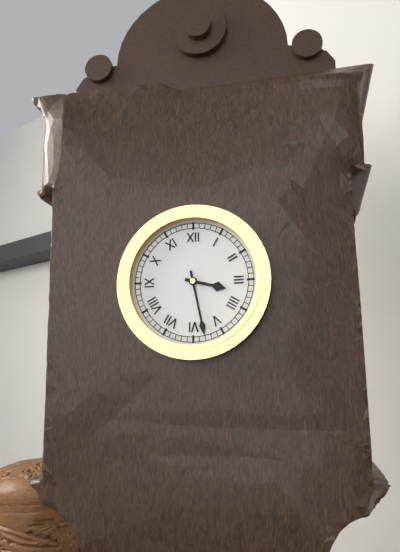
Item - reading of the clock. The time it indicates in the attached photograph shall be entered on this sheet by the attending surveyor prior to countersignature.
3:28
